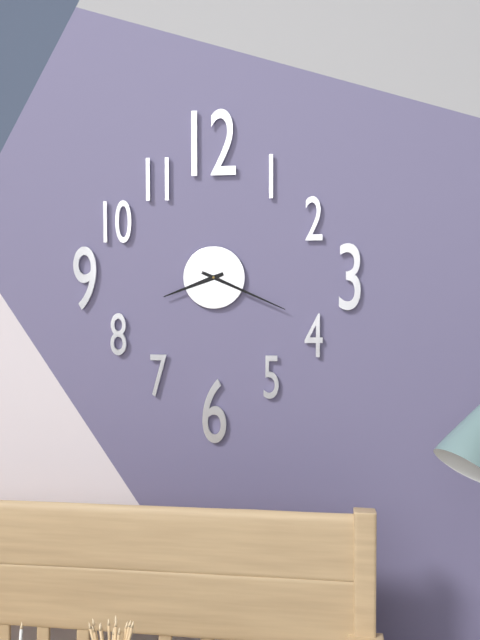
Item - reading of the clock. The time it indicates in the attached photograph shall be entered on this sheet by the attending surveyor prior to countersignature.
8:19
